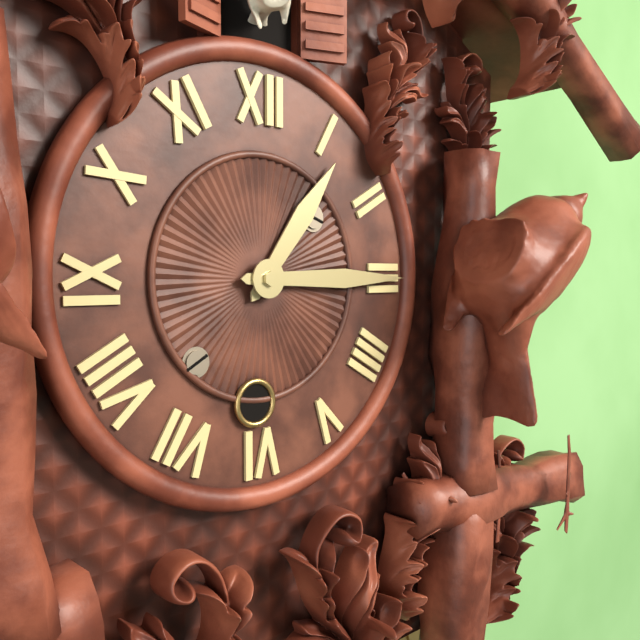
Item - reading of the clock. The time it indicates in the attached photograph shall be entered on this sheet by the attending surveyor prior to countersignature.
1:15
